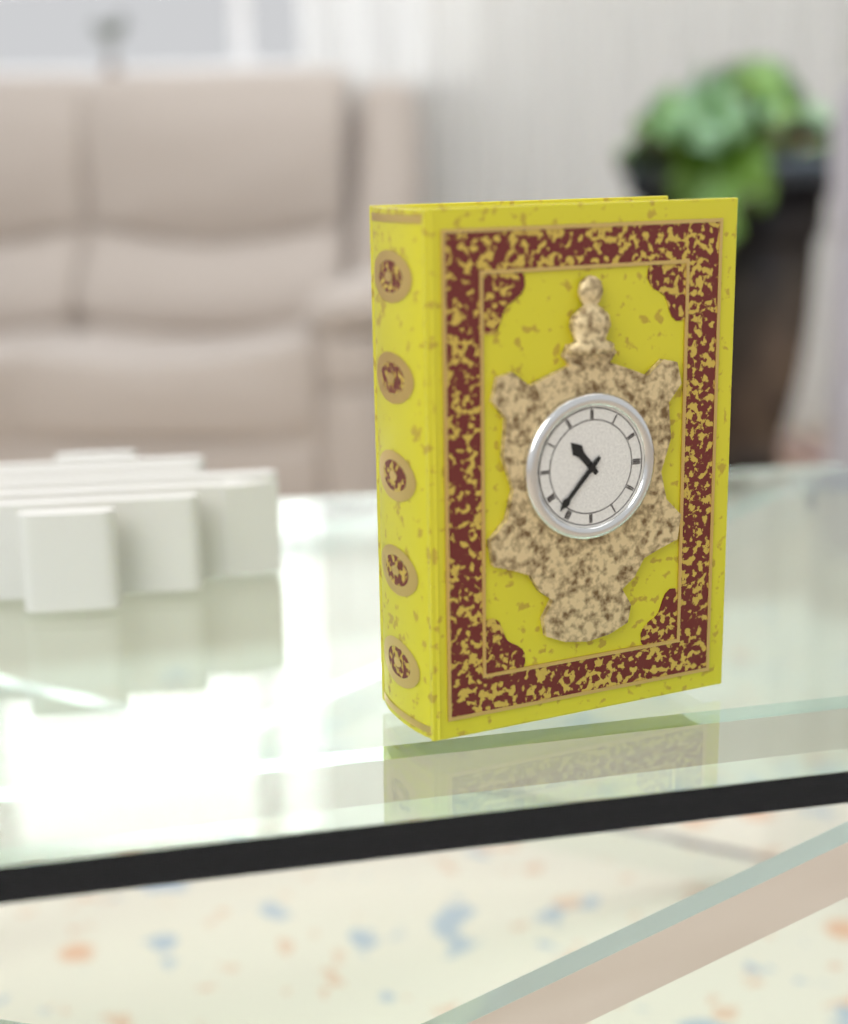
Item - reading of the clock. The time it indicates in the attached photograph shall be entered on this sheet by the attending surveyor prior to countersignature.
10:37
